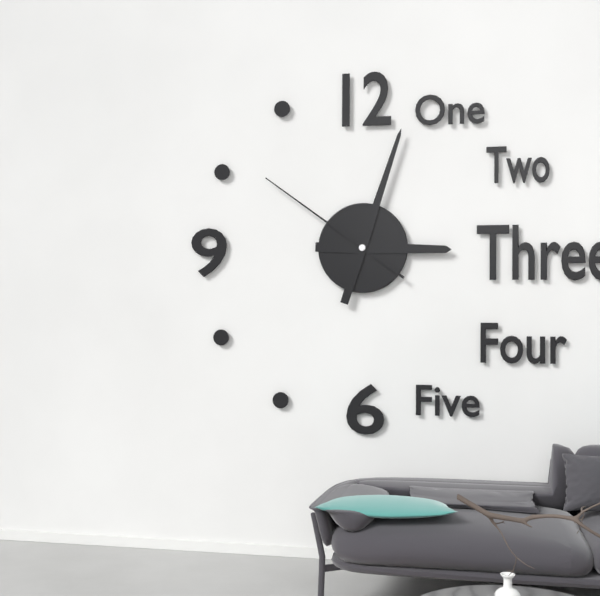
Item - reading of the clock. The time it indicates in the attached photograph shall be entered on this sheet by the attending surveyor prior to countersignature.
3:03:51
